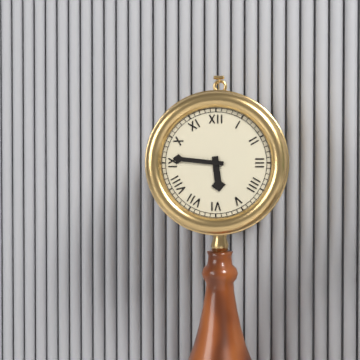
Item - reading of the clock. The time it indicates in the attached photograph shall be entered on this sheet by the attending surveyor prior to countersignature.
5:46
